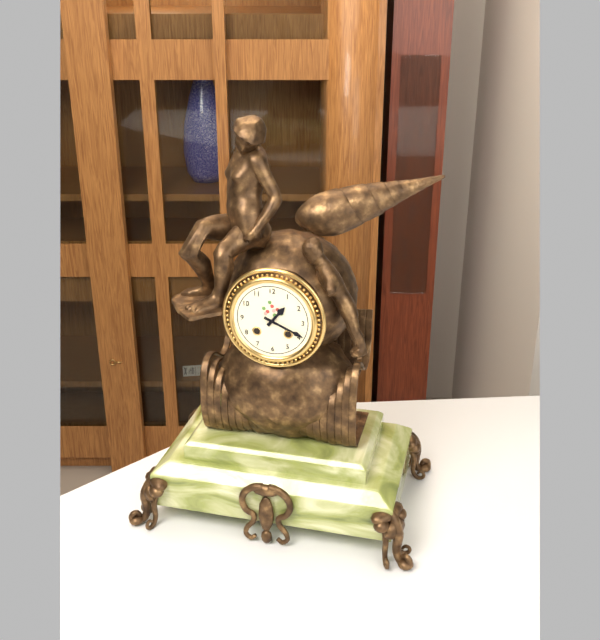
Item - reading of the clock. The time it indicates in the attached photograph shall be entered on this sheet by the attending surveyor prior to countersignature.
1:19
